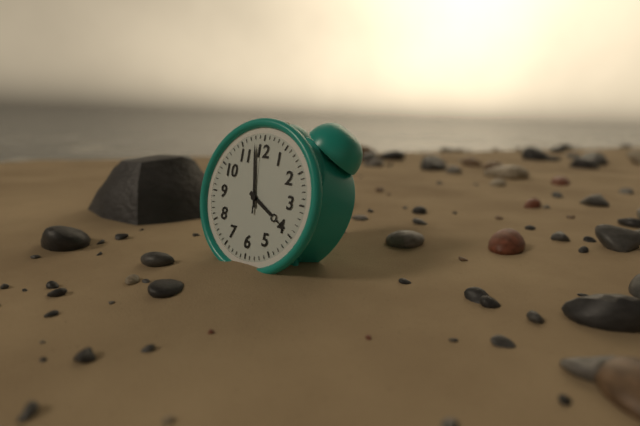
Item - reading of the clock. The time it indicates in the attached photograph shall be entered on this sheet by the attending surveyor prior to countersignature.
3:58:59
